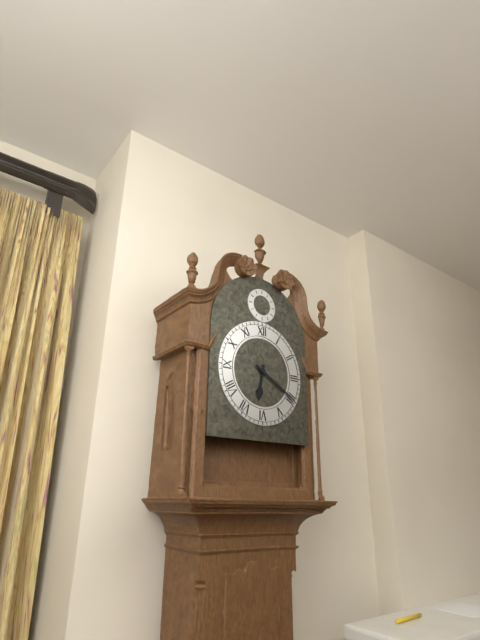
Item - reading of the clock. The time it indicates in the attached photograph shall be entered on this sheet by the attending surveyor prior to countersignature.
6:20
